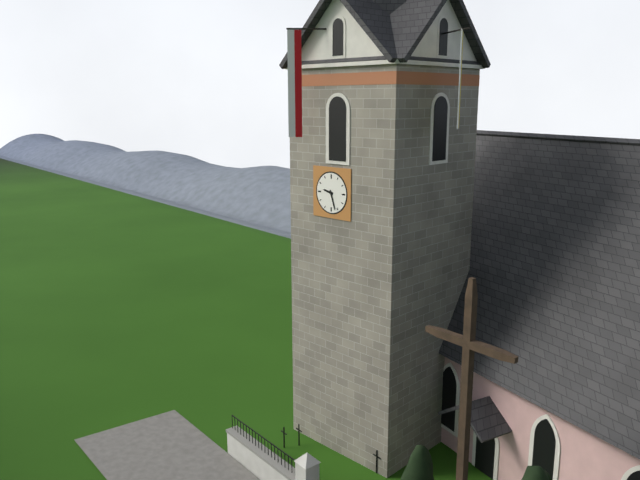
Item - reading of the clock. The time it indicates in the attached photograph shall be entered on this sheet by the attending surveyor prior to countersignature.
9:27
